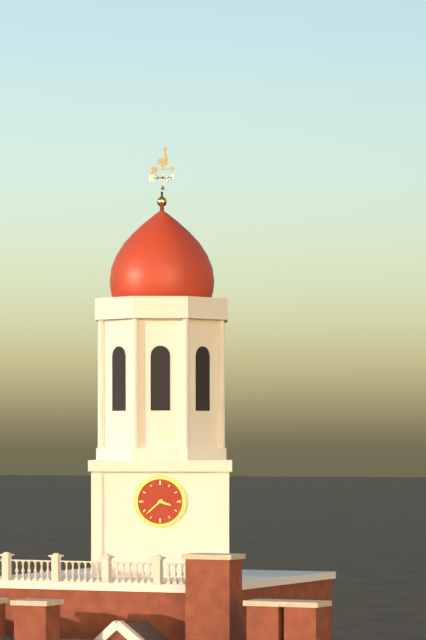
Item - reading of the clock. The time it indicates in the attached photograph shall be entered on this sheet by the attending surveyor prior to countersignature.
3:38
